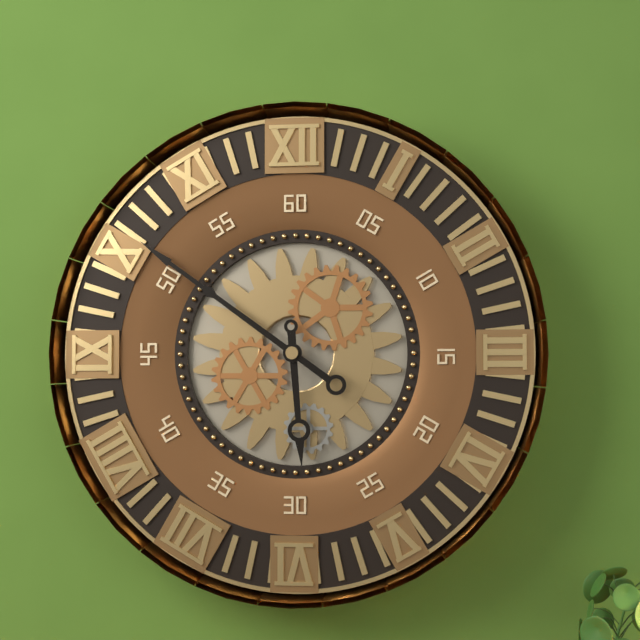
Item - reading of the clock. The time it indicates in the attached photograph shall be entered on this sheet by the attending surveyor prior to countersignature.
5:51
